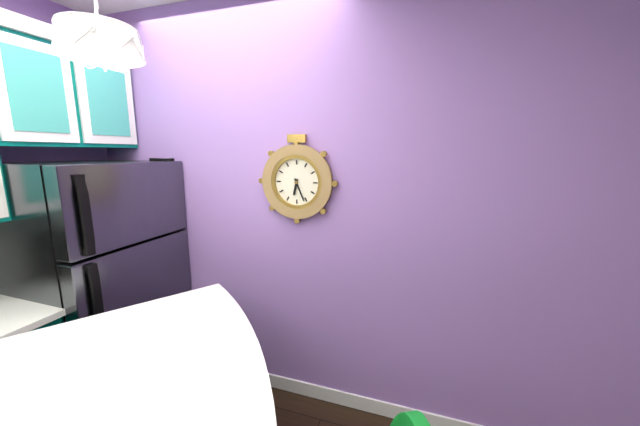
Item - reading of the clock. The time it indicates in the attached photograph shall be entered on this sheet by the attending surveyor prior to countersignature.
6:26
